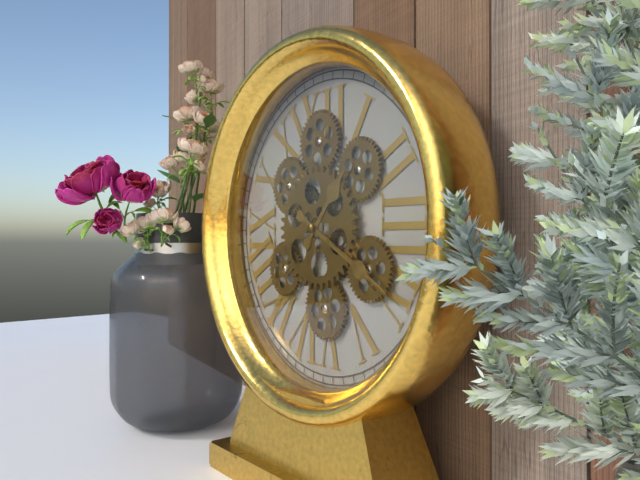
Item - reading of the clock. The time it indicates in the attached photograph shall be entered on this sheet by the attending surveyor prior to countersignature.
1:20
